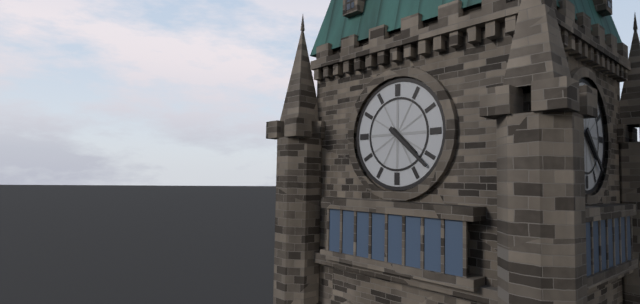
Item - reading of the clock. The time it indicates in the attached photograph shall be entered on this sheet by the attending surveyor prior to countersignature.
4:22
